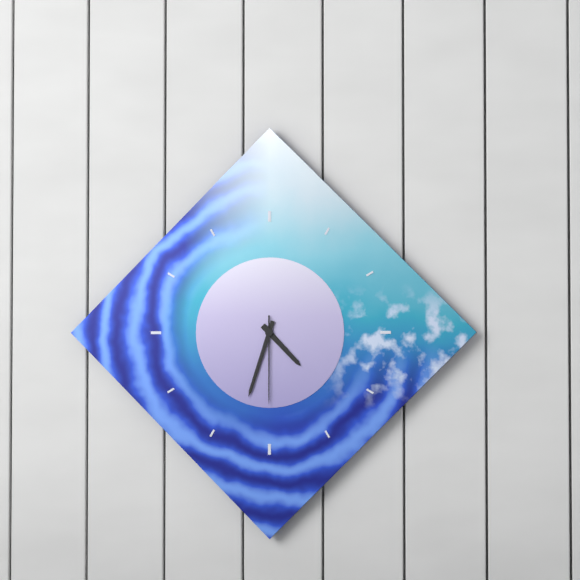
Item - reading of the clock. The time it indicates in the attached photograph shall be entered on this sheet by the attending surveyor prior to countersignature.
4:33:30
